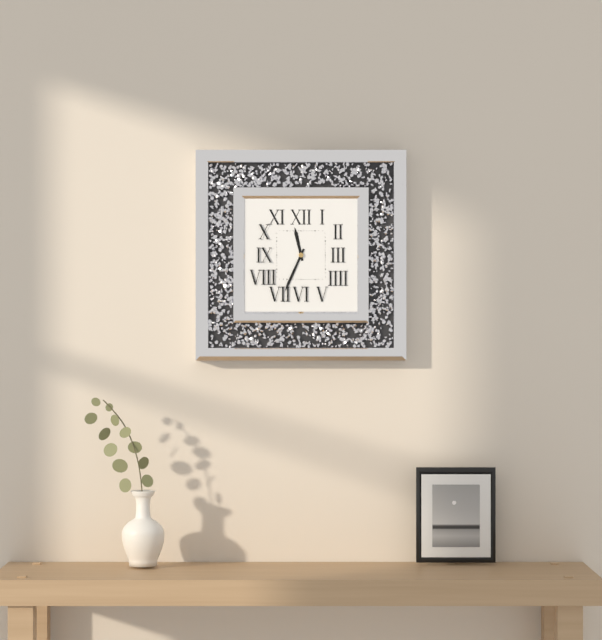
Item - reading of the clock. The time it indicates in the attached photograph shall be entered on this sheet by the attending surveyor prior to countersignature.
11:34
